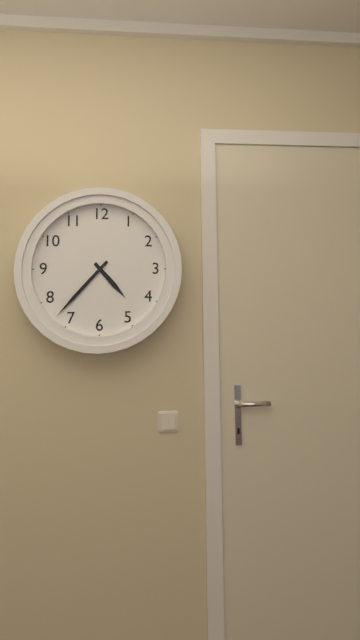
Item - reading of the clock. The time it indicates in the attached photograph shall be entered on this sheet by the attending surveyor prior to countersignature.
4:37
